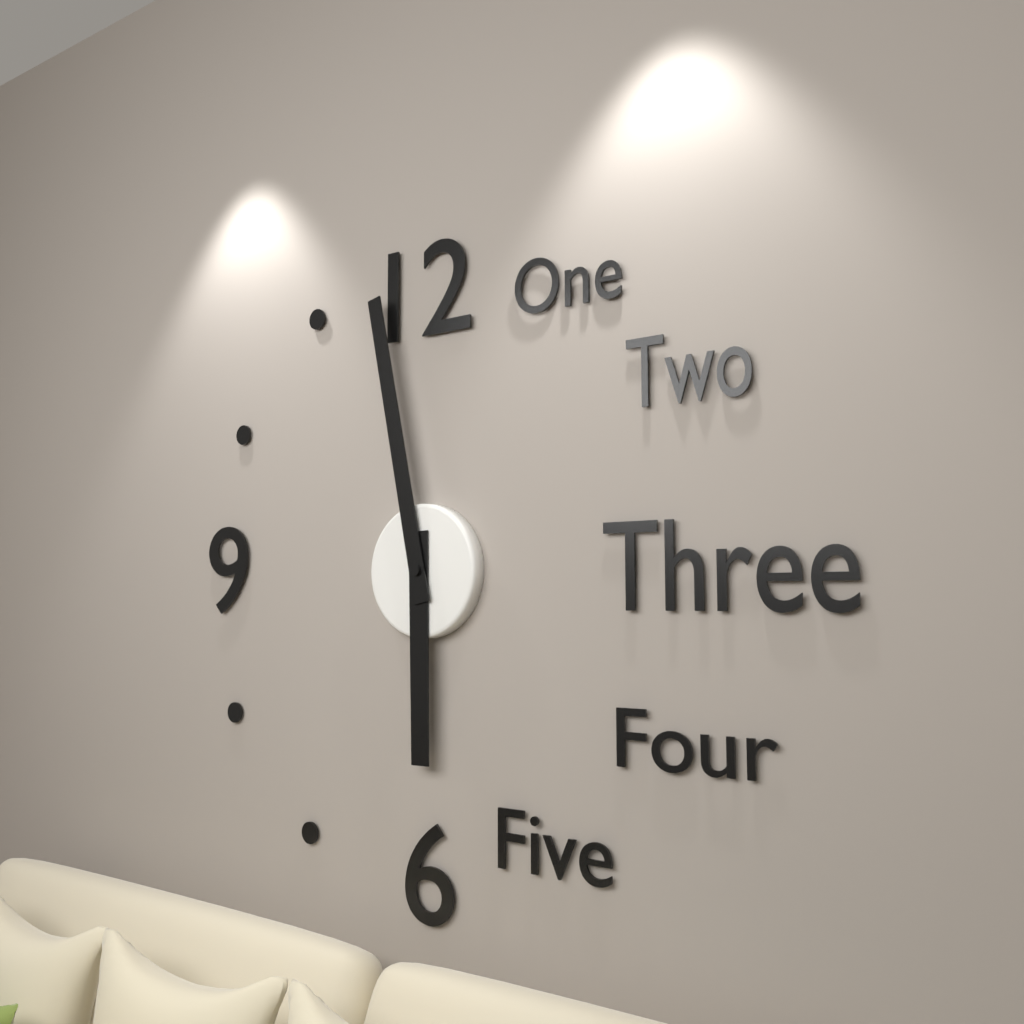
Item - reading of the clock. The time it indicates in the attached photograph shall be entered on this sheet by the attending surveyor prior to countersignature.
5:58
